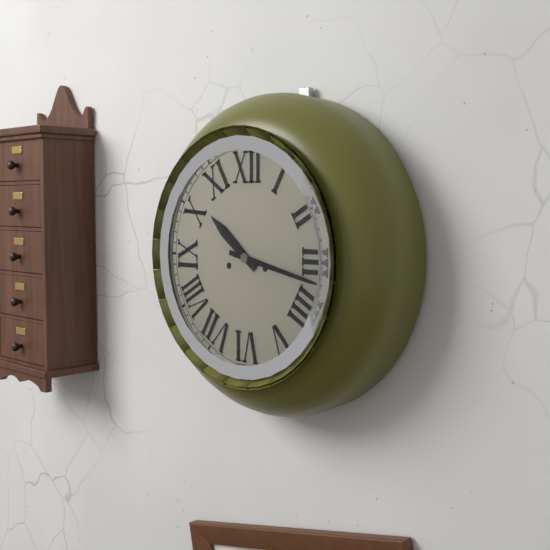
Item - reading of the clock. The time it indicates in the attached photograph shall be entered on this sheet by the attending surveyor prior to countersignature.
10:17
